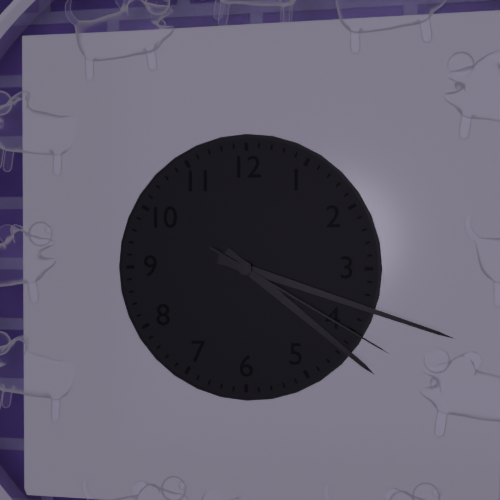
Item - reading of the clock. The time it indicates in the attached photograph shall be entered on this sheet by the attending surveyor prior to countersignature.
4:18:20
